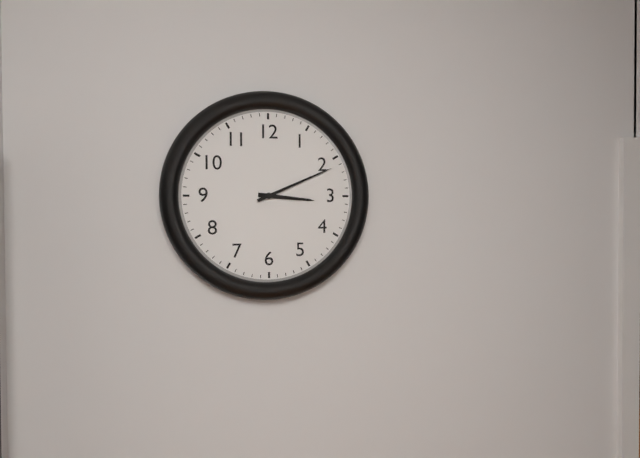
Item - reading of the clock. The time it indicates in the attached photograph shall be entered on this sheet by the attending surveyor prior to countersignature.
3:11
